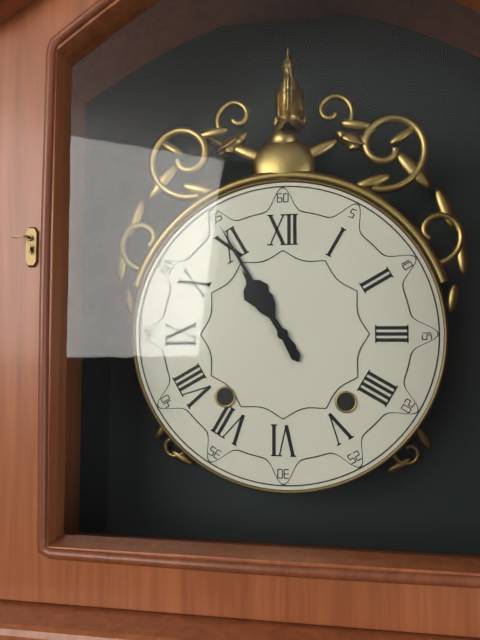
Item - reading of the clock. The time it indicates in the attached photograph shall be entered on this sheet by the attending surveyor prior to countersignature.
10:55
